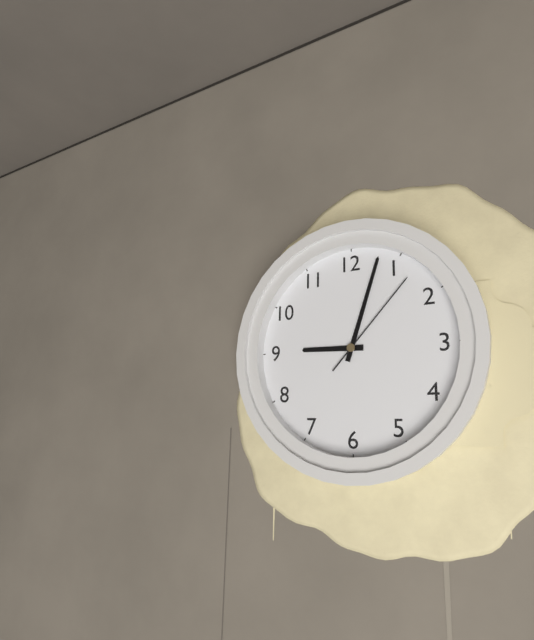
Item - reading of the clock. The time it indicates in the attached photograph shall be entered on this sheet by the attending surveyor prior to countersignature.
9:03:07
